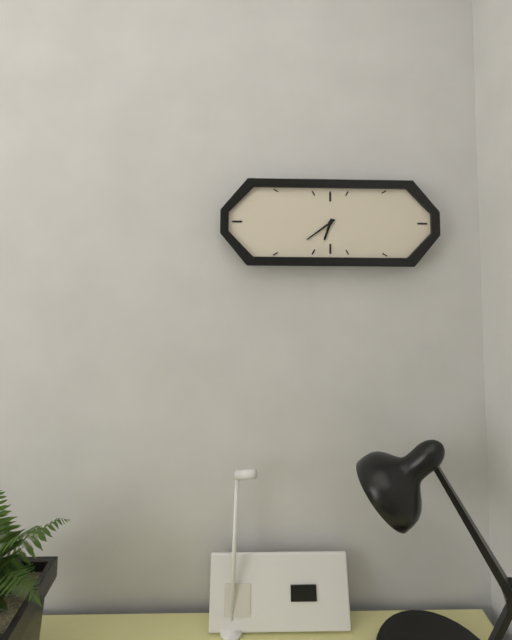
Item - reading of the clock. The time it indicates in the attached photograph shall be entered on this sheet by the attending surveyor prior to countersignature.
6:39
